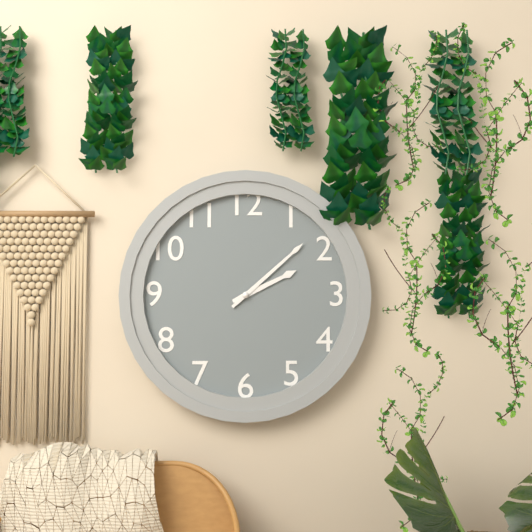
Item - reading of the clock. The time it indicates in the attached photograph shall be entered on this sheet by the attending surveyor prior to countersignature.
2:08
